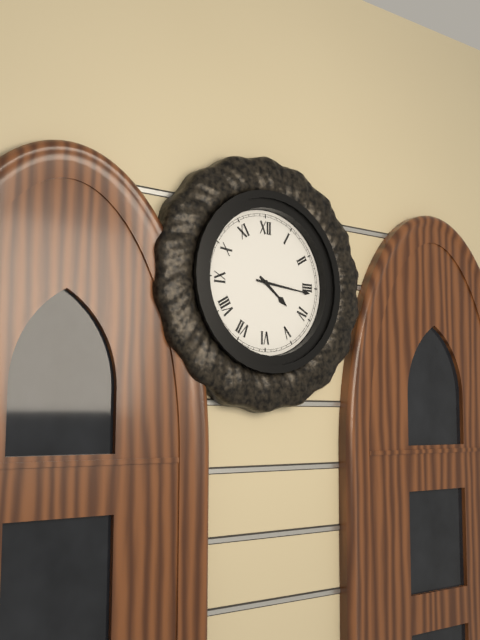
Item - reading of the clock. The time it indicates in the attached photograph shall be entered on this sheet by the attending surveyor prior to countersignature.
4:16
